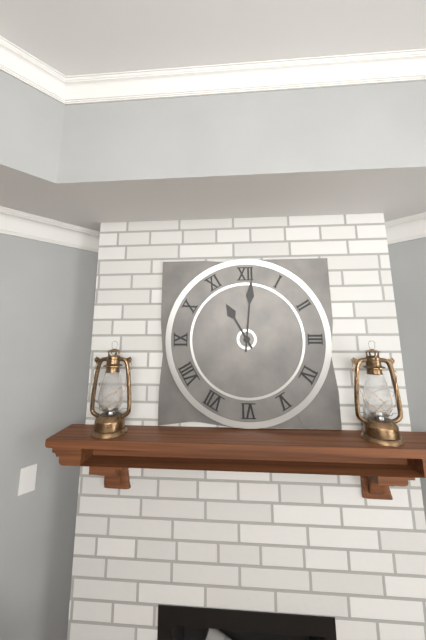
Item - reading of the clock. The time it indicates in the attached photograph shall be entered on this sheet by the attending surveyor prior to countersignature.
11:01
